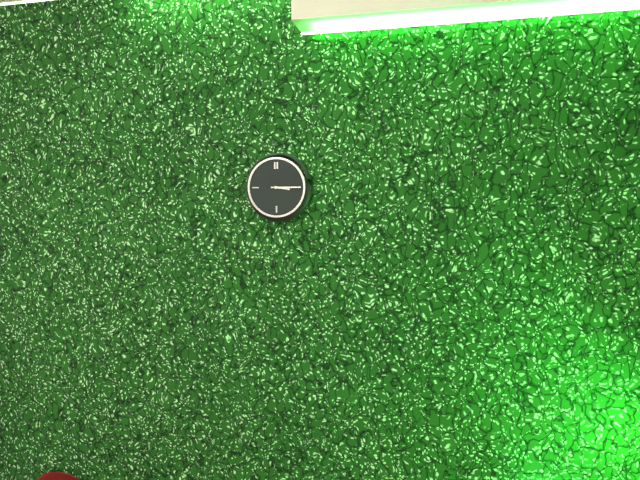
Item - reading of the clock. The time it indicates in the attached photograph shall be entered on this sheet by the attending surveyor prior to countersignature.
3:15
